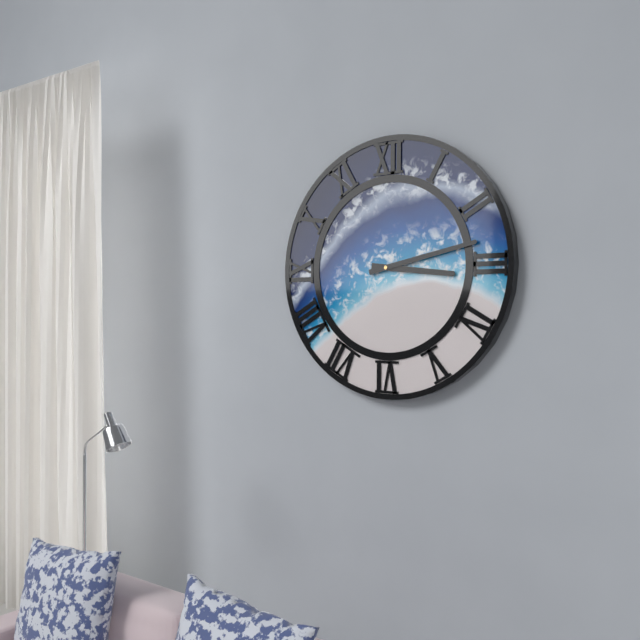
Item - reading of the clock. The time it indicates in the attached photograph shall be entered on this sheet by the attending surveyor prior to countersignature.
3:13
